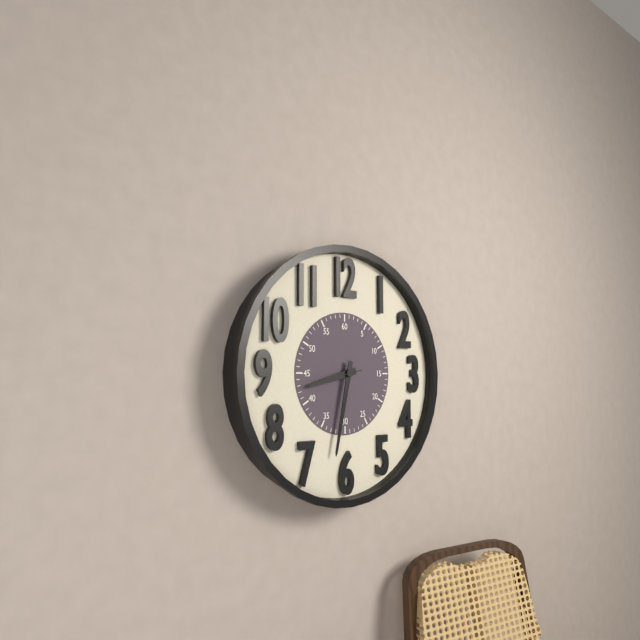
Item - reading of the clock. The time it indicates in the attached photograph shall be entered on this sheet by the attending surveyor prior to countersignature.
8:32
